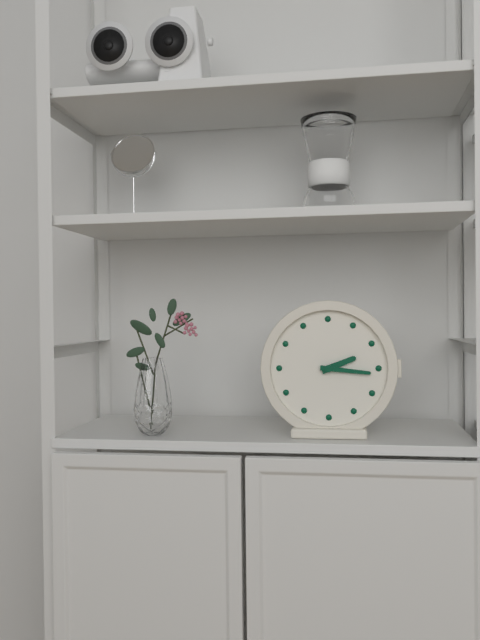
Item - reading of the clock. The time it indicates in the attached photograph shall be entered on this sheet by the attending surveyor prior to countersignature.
2:16
